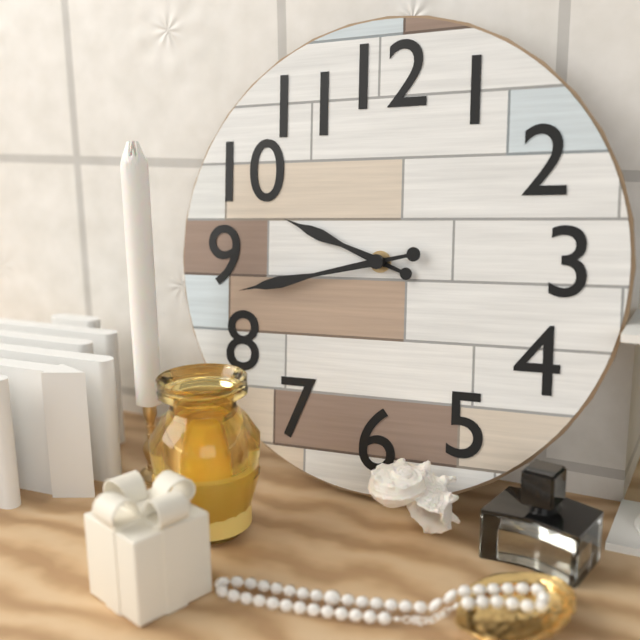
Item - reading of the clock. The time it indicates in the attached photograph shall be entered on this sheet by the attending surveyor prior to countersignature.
9:43
